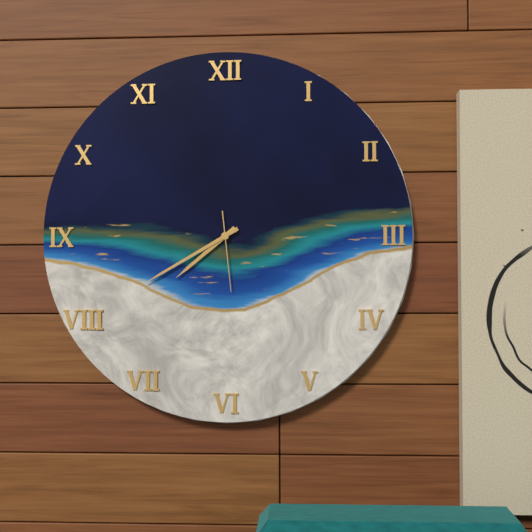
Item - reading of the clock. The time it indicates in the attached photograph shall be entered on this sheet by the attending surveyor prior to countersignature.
7:40:29
